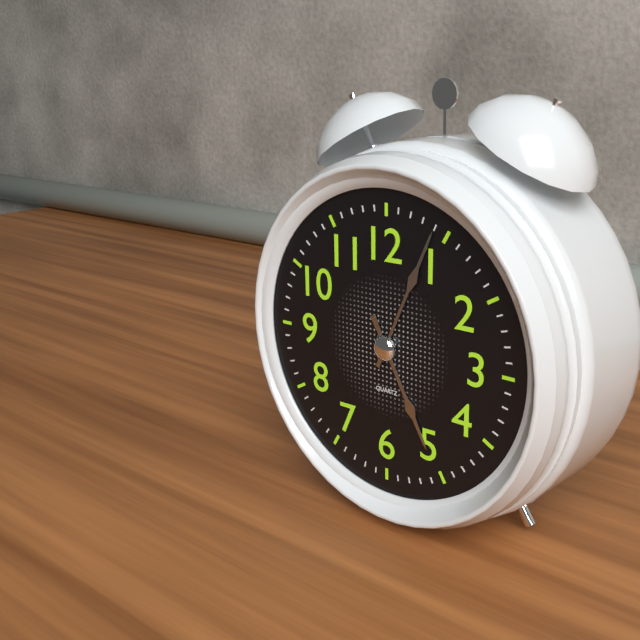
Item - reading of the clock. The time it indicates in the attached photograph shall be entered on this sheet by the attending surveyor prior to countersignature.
5:04
